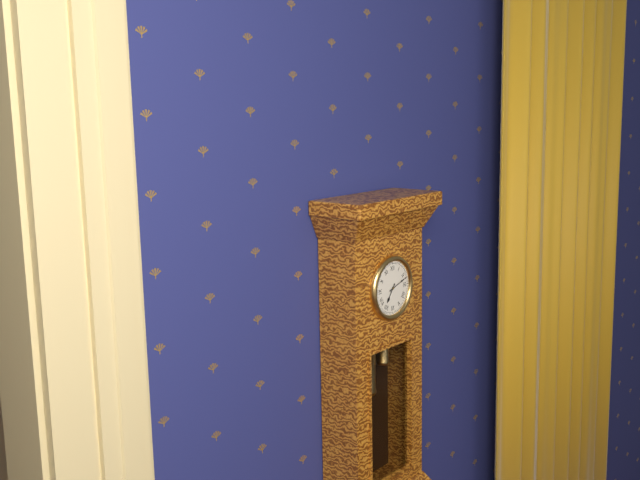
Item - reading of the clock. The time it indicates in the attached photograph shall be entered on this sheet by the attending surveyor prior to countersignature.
7:12
